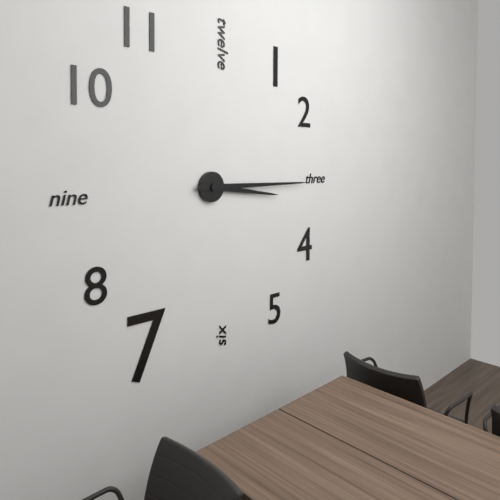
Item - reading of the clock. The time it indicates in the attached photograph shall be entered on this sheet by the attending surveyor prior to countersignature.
3:15
